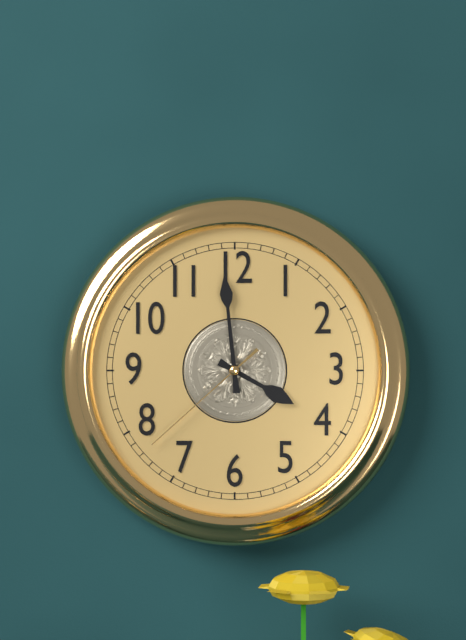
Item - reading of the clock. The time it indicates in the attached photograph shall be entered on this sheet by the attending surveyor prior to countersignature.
3:59:38
